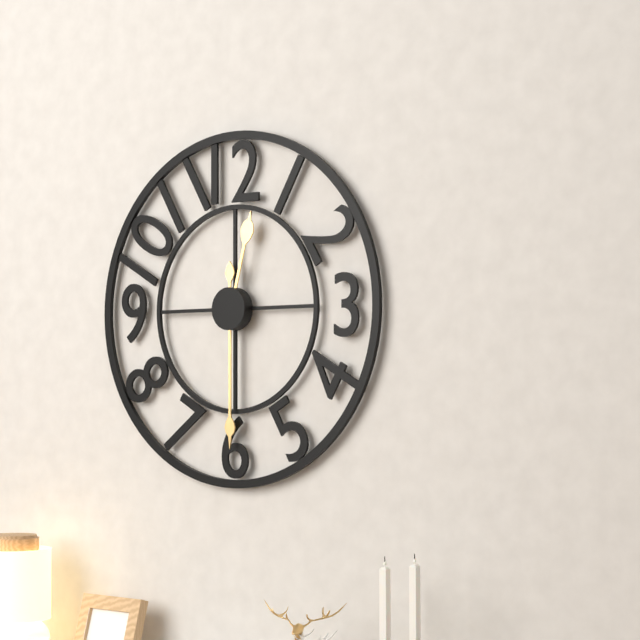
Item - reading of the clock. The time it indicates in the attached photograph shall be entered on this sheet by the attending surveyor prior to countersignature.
12:30
